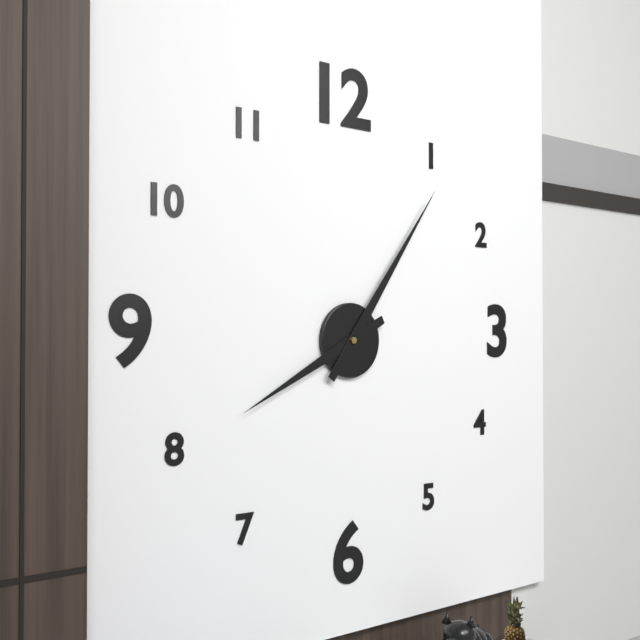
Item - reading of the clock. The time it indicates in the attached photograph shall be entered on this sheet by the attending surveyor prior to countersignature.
8:06
